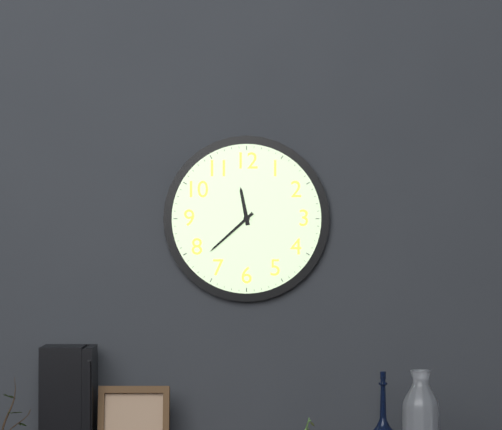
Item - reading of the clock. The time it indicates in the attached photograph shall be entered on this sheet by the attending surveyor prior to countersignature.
11:38
